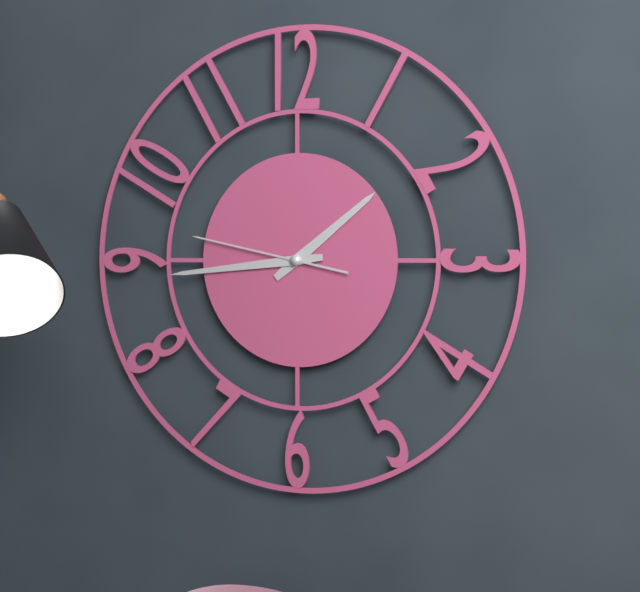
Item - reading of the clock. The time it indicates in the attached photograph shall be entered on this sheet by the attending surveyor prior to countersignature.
1:44:47
